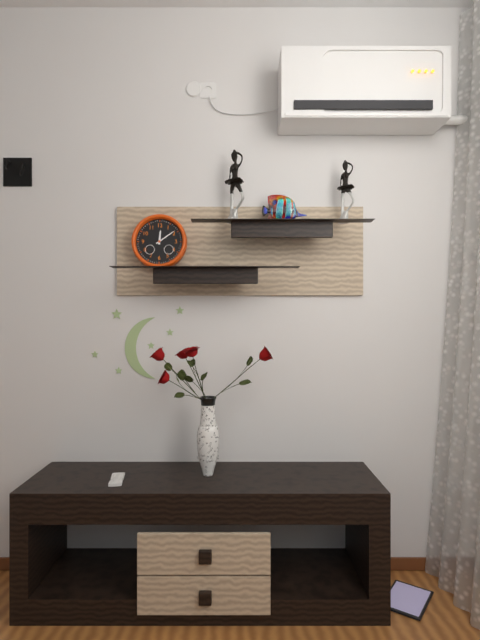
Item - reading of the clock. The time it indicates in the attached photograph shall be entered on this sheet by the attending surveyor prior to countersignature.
12:09
